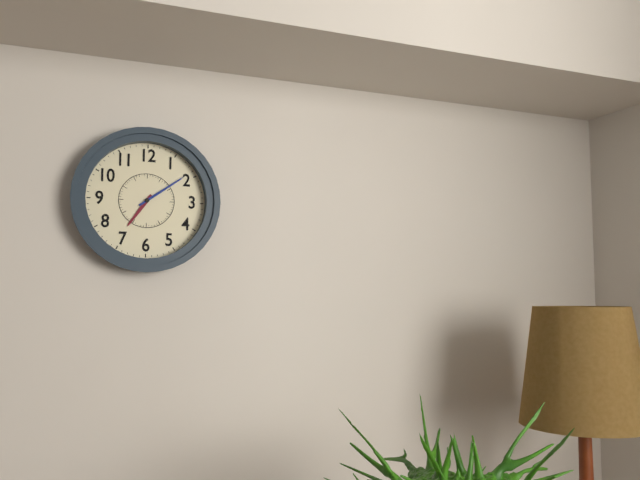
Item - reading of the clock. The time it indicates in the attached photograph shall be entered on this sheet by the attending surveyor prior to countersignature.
7:09
